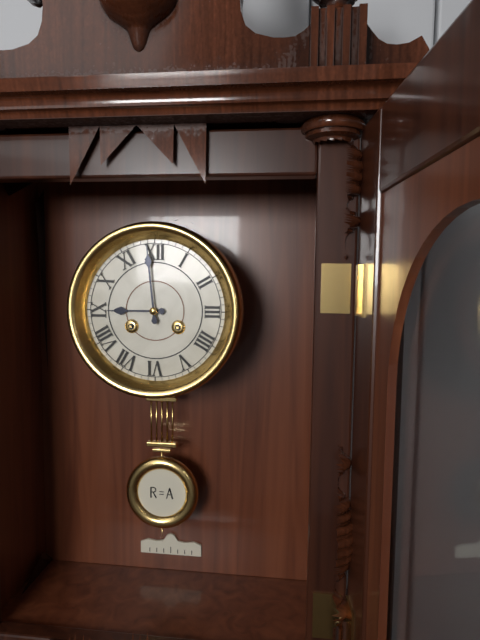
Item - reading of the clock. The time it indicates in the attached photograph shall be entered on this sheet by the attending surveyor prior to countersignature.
8:59
